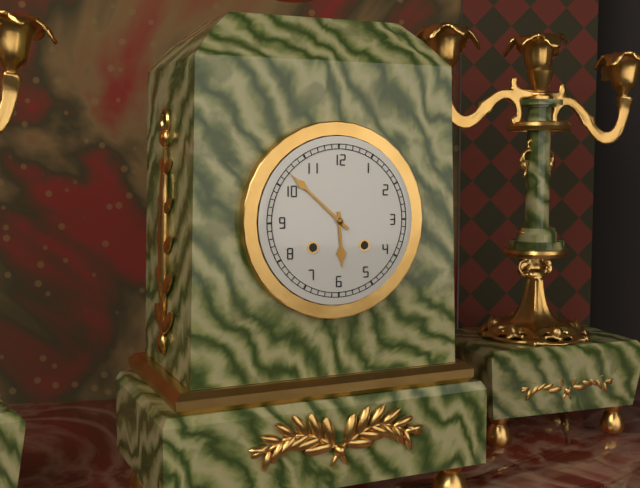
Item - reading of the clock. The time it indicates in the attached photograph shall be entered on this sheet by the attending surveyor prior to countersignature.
5:52
